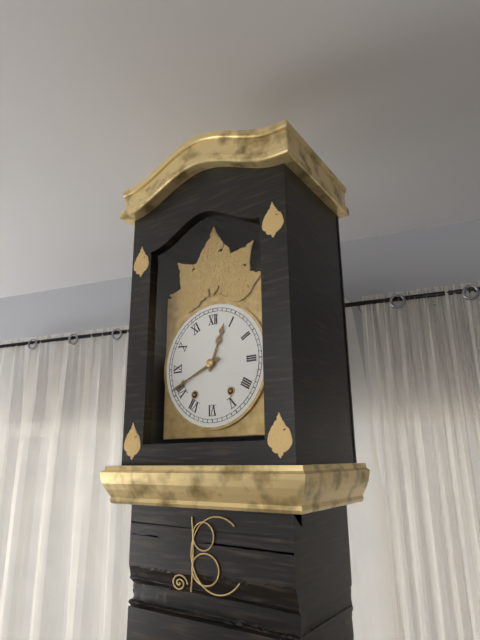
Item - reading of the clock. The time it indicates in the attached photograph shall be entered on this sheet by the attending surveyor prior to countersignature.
12:41
